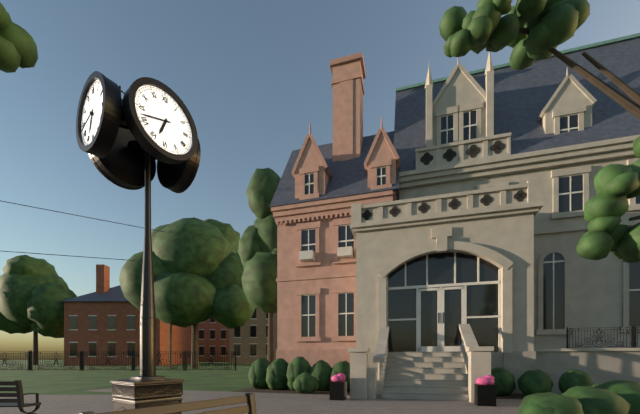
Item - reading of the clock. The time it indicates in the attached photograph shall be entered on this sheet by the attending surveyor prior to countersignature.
6:42
